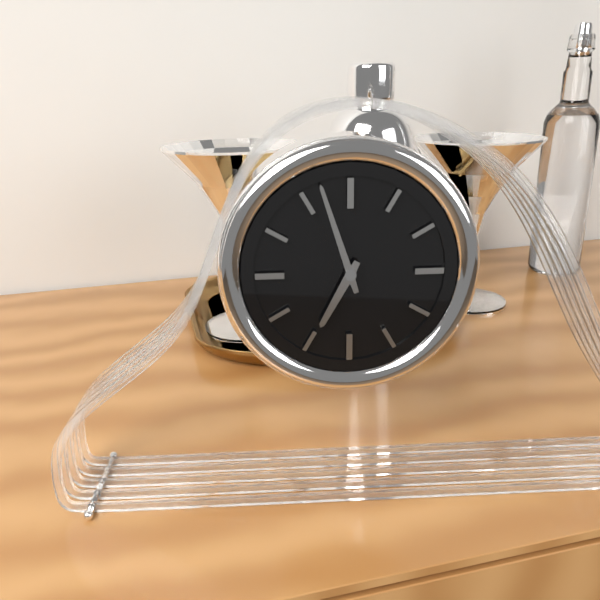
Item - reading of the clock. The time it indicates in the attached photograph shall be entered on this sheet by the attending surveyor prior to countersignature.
6:57
